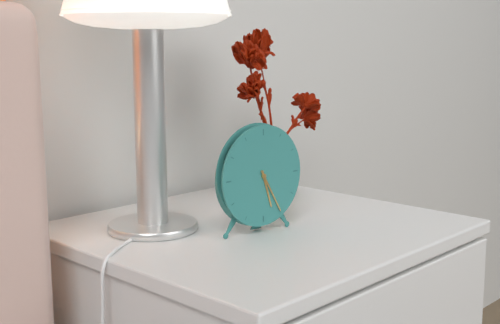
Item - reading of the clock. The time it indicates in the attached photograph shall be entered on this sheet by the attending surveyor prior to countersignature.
5:25
